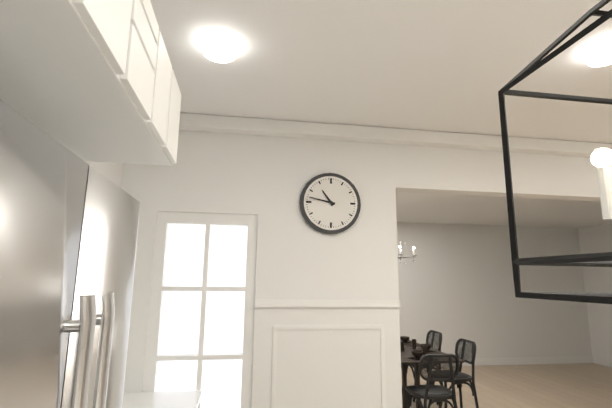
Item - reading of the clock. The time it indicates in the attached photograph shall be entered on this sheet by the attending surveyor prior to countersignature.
10:47
